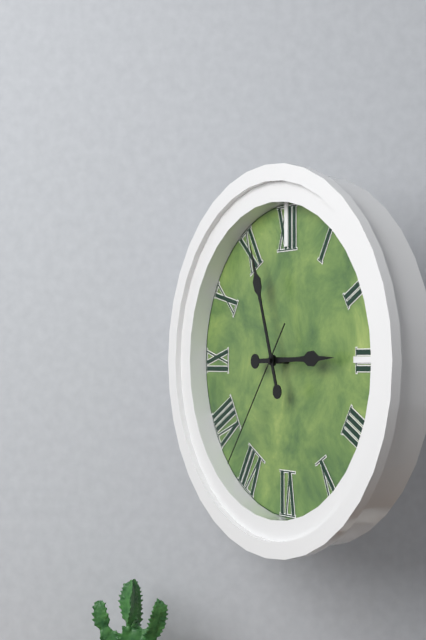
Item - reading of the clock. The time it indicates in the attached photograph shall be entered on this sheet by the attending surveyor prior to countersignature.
2:57:36
